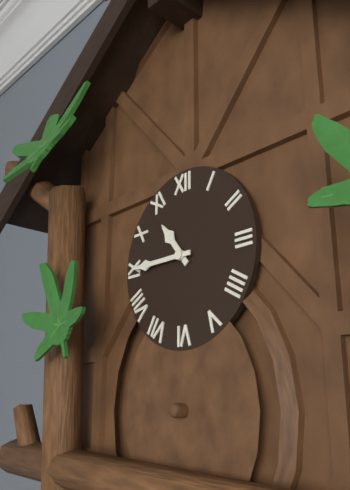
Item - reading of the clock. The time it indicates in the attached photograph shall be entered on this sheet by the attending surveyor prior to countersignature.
10:45
